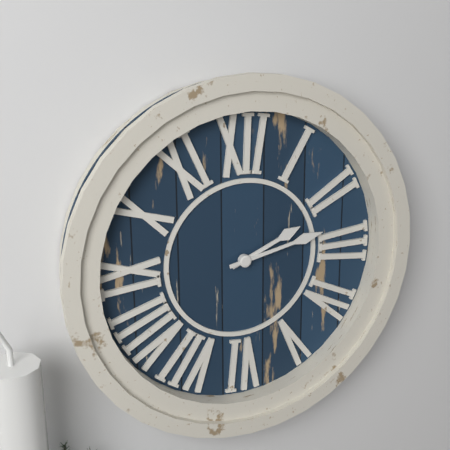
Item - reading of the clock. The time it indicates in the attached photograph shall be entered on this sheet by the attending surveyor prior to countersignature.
2:13
